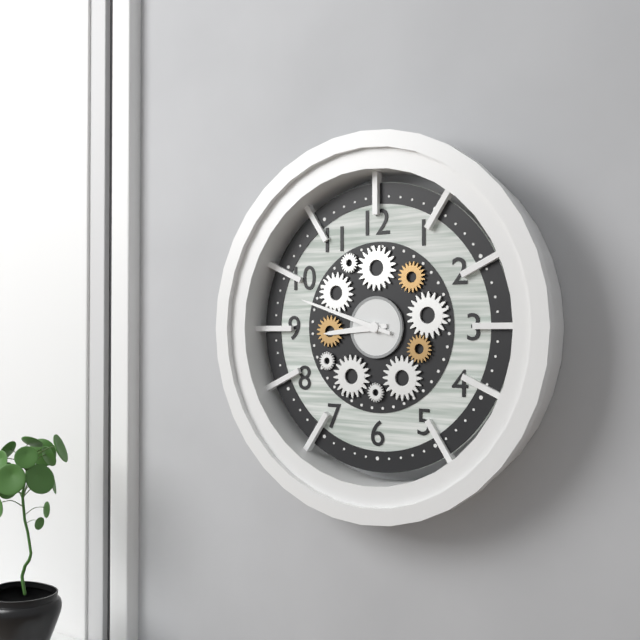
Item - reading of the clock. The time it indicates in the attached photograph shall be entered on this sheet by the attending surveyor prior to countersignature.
8:48
